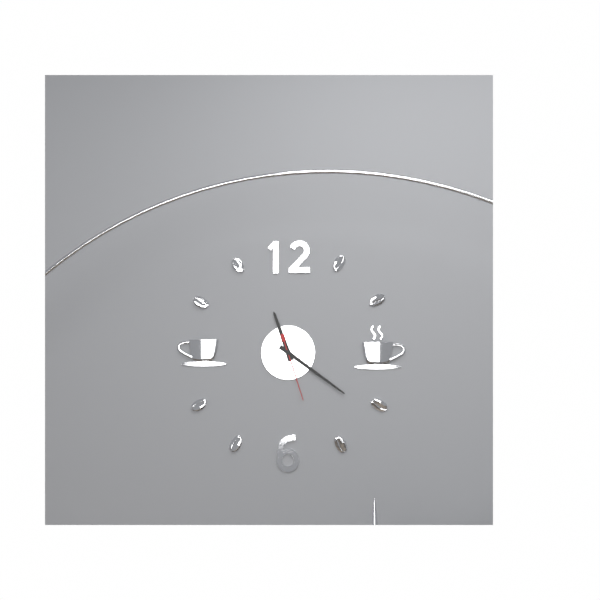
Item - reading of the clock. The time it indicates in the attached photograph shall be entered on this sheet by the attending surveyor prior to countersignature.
11:21:27
